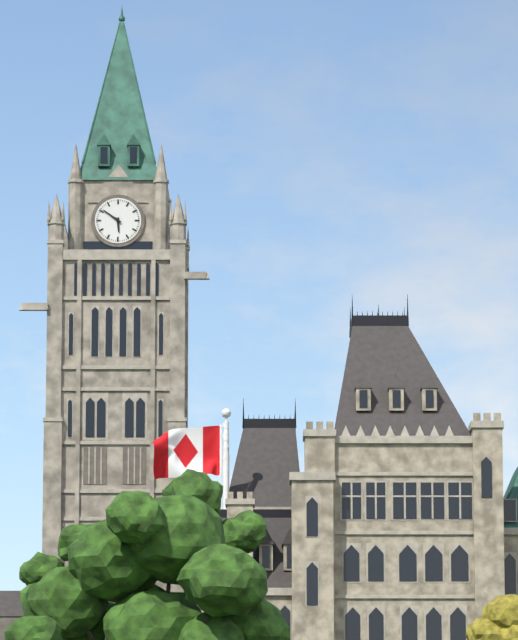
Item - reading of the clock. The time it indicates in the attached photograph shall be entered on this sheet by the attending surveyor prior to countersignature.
5:51
